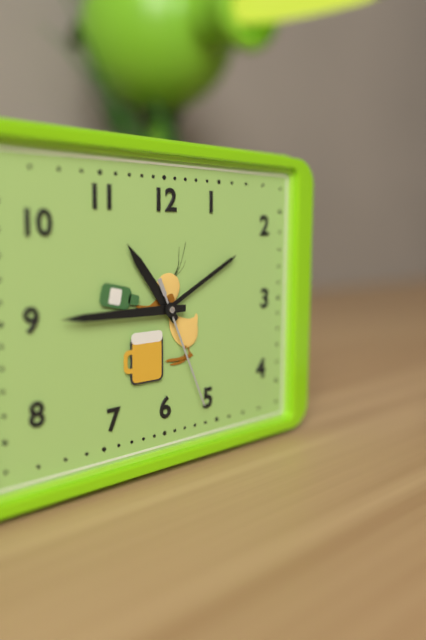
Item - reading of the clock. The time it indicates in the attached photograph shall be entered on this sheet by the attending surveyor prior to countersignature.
10:45:26
